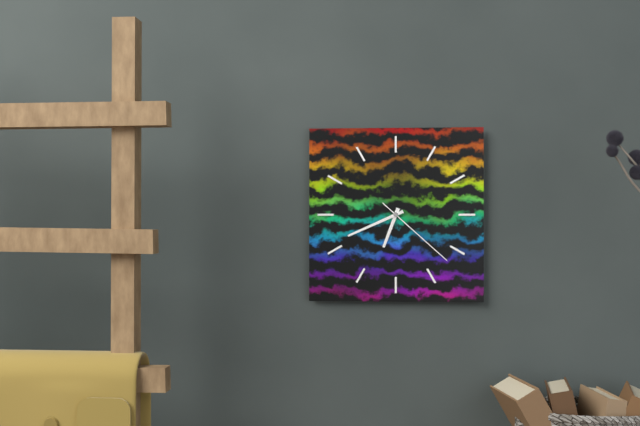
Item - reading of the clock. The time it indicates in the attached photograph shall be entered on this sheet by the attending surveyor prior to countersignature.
6:41:22
